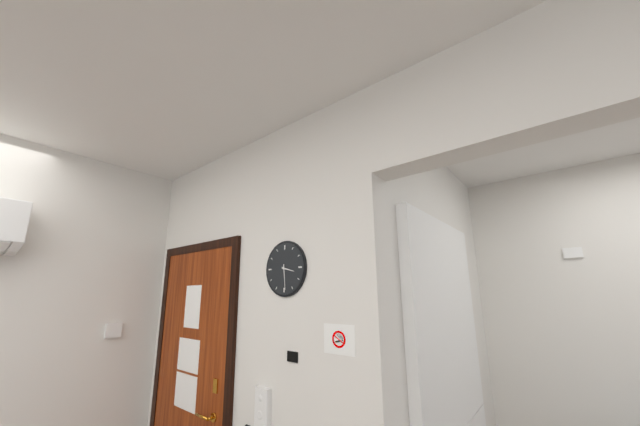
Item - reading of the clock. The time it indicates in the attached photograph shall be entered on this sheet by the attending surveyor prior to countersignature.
3:29
